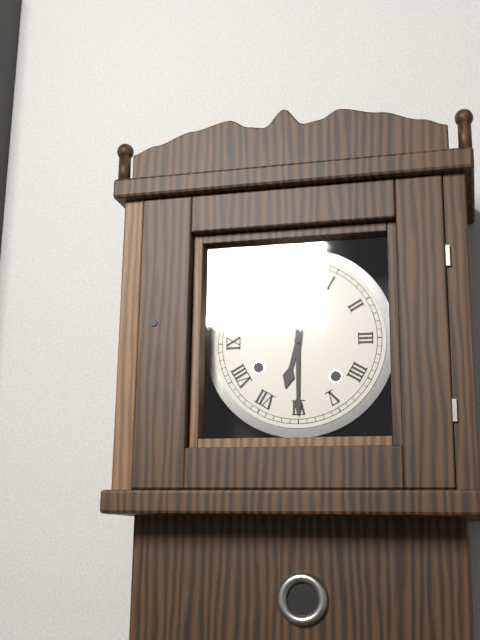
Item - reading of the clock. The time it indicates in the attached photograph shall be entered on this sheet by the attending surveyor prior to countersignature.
6:30
